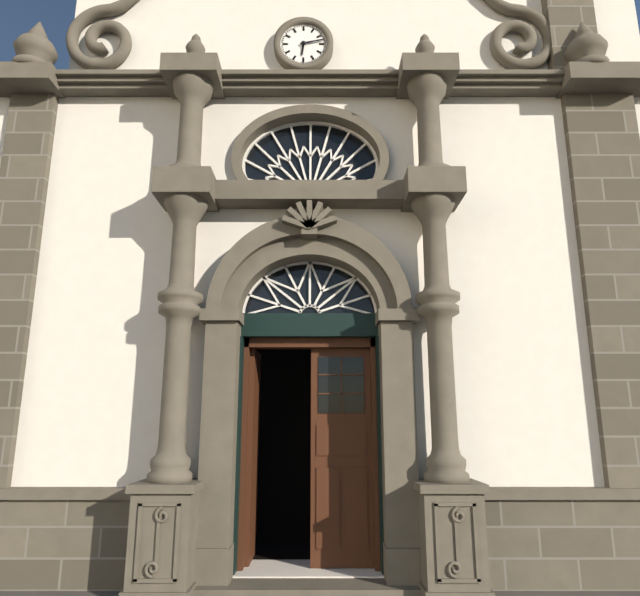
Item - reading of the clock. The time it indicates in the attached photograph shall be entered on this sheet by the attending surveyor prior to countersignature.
6:13
